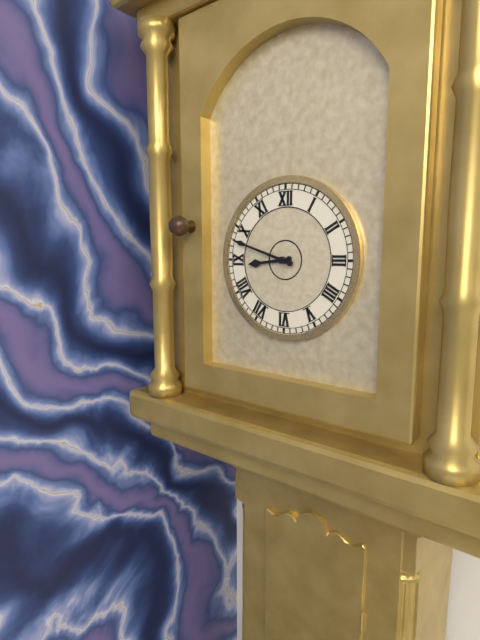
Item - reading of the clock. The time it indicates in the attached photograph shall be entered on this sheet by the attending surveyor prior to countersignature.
8:48
